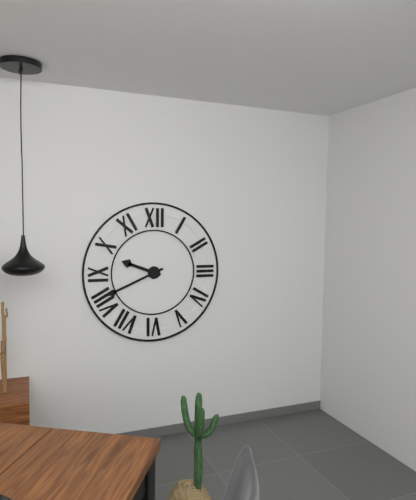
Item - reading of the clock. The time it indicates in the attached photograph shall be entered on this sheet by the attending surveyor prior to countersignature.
9:41
